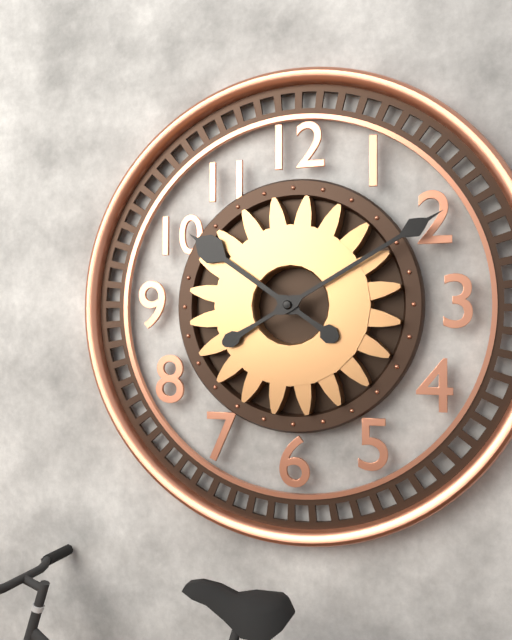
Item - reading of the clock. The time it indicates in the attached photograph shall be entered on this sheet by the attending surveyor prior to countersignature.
10:10
